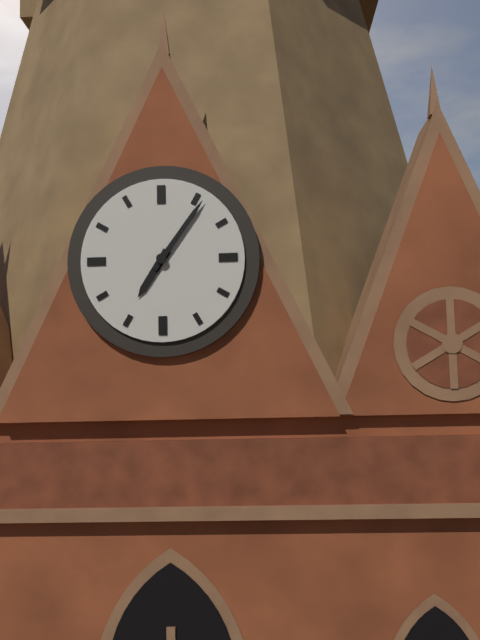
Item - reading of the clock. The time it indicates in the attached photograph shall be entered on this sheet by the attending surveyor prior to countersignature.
7:06
